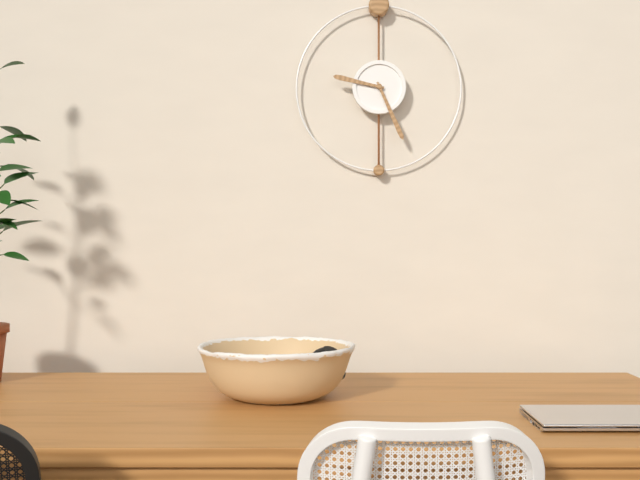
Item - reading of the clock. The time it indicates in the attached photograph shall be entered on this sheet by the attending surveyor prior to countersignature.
9:26
